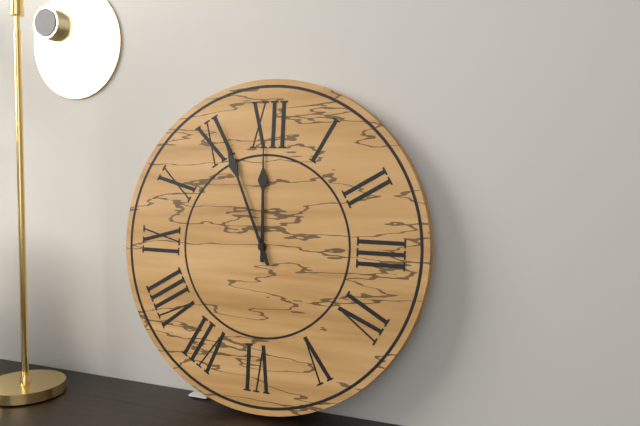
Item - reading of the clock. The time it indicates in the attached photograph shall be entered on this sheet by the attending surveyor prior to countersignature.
11:56
